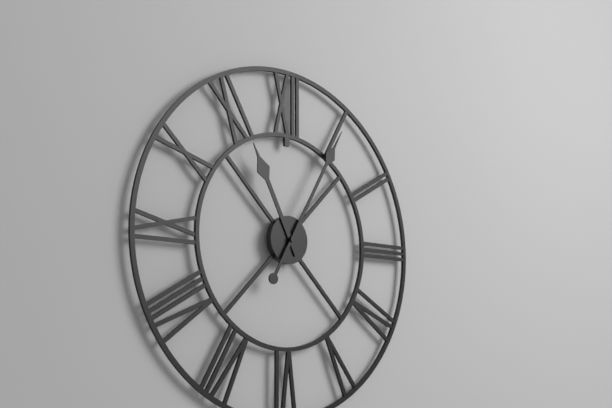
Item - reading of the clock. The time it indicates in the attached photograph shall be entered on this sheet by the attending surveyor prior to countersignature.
11:05
